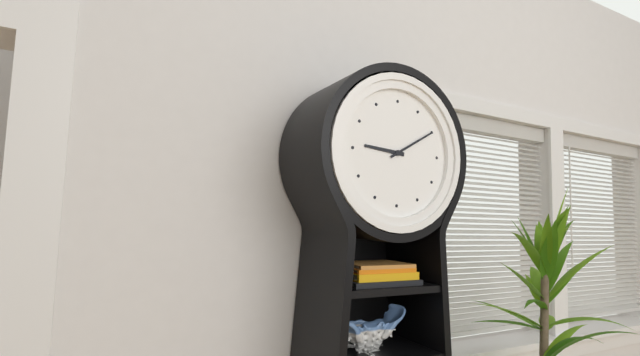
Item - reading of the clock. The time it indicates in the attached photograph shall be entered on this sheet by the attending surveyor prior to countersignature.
9:10
